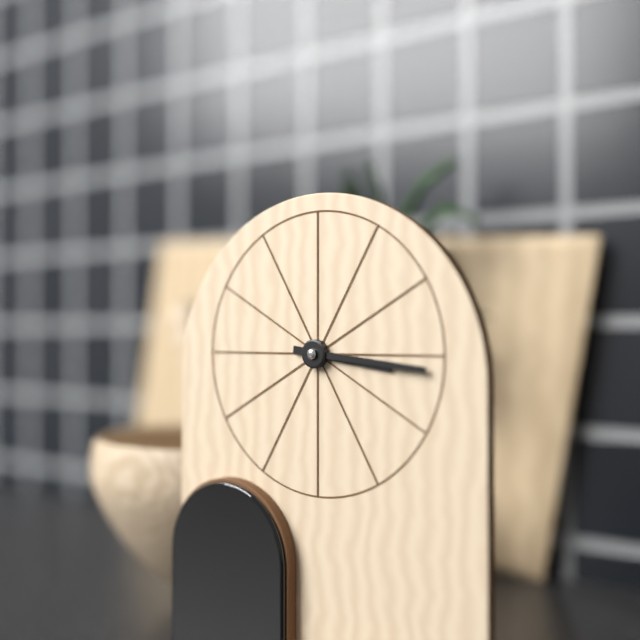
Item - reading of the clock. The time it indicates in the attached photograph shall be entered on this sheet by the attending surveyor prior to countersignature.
3:16
